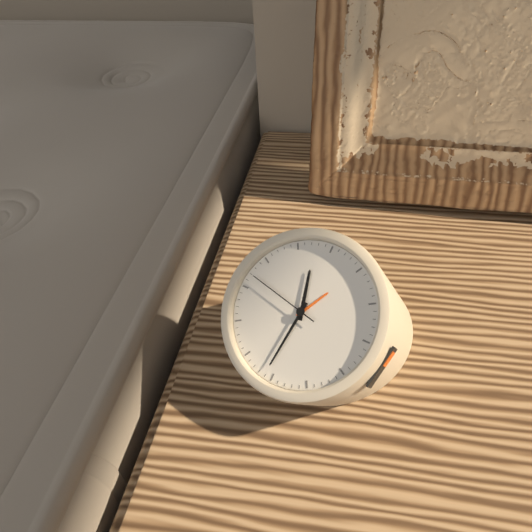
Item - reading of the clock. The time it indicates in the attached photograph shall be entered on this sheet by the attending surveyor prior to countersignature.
11:31:47
